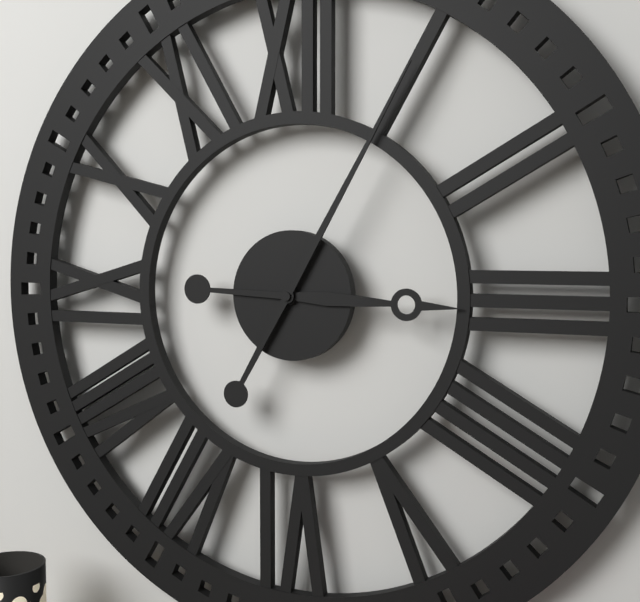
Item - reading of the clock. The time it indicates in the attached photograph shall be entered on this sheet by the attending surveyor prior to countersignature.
3:05
